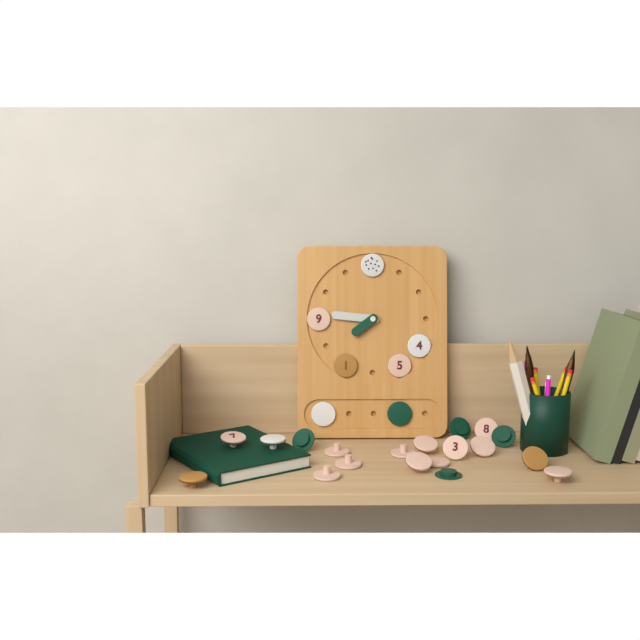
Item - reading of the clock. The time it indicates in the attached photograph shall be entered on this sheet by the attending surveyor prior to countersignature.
7:46
